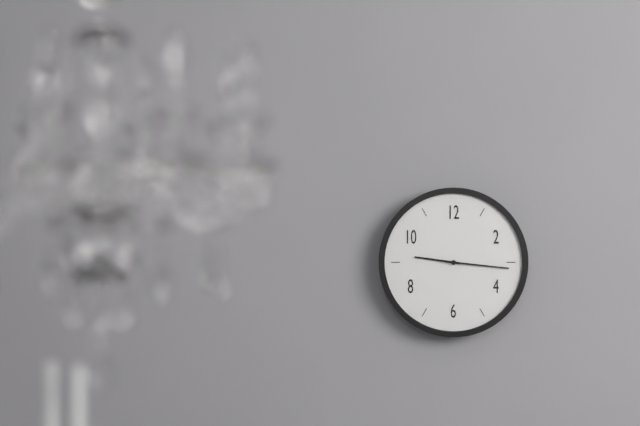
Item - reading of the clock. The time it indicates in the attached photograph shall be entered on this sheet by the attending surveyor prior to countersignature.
9:16
